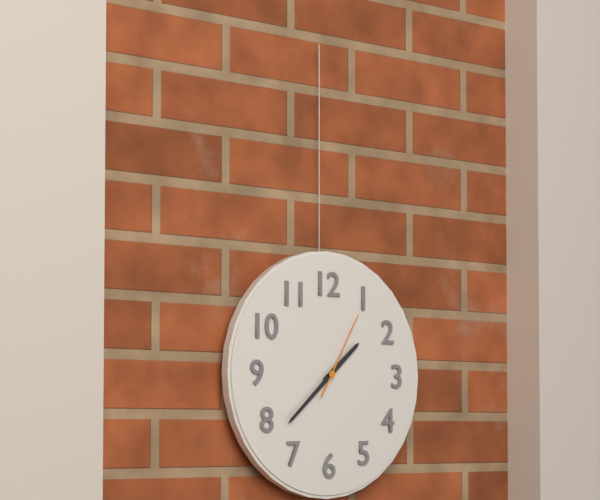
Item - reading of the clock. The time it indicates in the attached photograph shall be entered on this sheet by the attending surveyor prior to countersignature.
1:38:05
